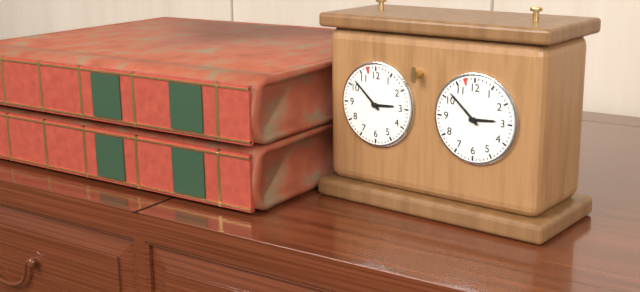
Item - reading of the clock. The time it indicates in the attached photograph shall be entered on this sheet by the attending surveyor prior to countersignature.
2:52
